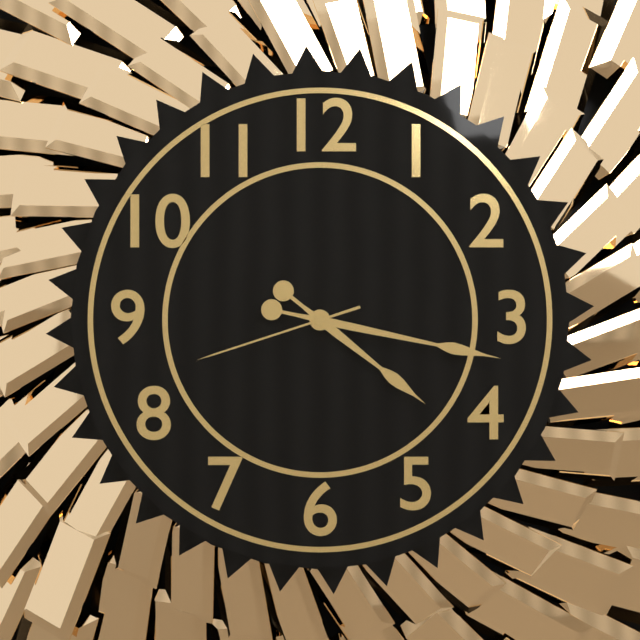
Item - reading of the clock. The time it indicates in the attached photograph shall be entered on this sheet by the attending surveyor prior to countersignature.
4:17:42
